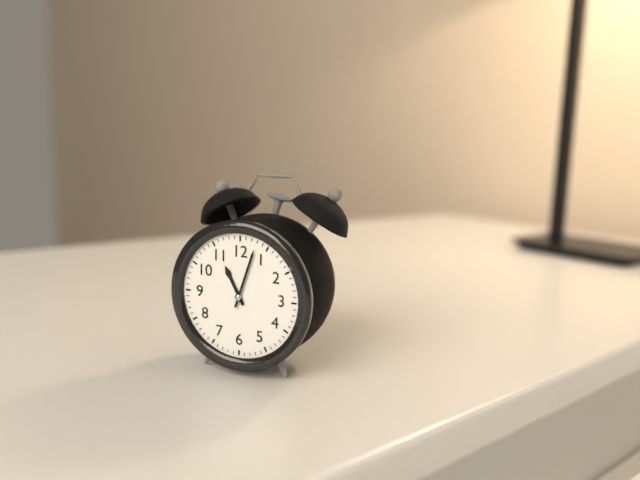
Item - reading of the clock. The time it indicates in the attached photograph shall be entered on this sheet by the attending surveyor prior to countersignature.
11:03
